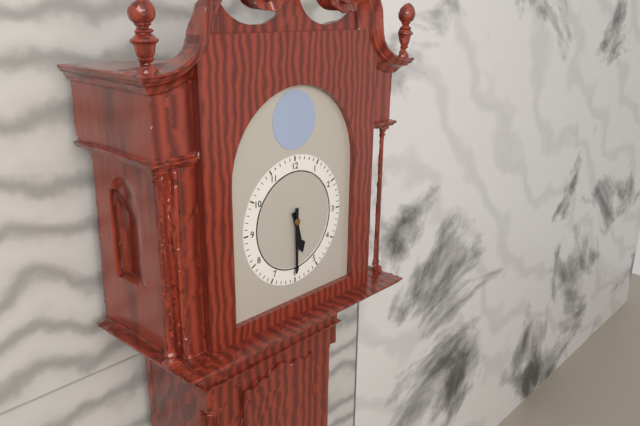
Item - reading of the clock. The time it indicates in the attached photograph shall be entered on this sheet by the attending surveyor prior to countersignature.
5:30
